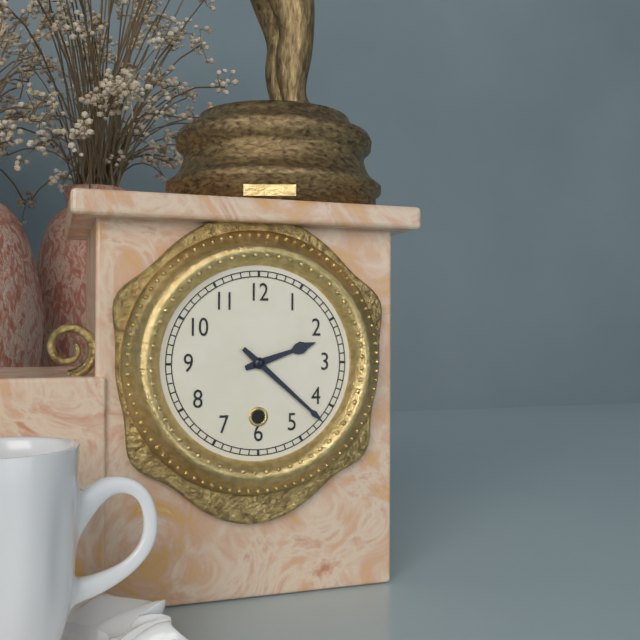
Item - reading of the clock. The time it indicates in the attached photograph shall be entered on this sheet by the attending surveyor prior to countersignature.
2:22
